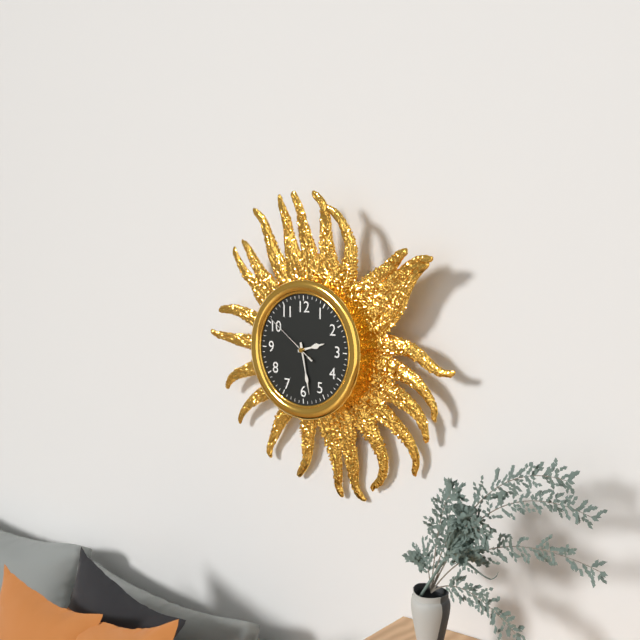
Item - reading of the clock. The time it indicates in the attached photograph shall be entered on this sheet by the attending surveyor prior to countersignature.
2:28:51
